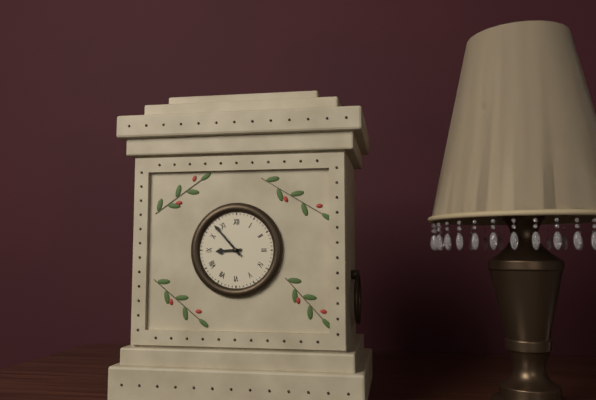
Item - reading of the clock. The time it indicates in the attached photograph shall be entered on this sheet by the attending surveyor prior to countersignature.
8:53
